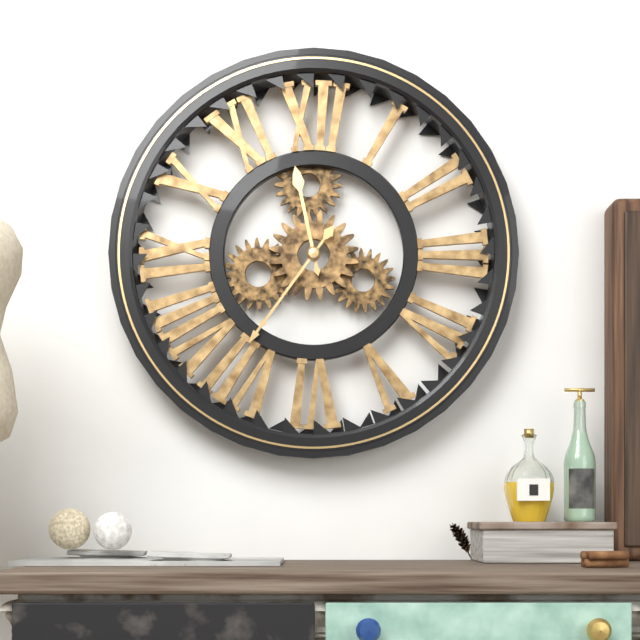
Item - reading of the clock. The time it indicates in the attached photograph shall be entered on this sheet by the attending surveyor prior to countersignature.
11:36
